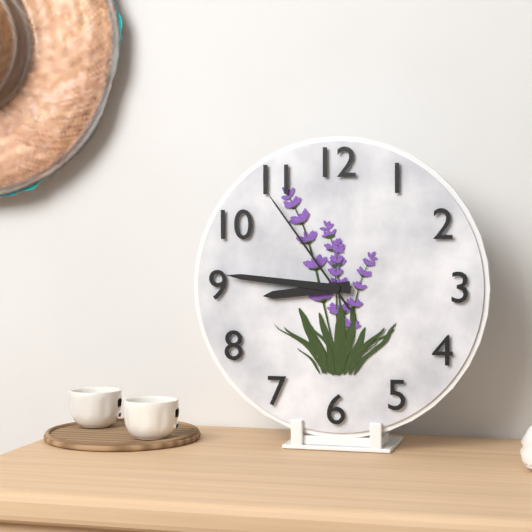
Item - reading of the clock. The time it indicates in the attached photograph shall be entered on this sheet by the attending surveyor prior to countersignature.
8:46:54
